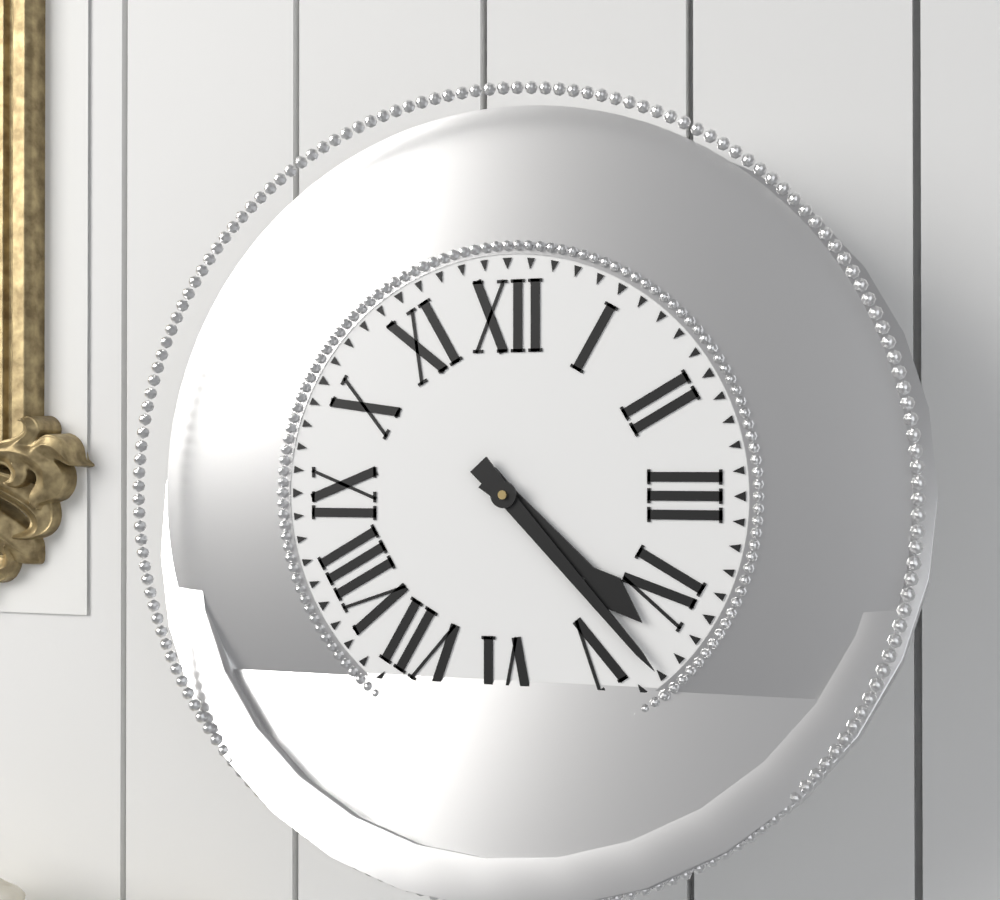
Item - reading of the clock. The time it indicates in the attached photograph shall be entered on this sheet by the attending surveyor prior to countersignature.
4:23
